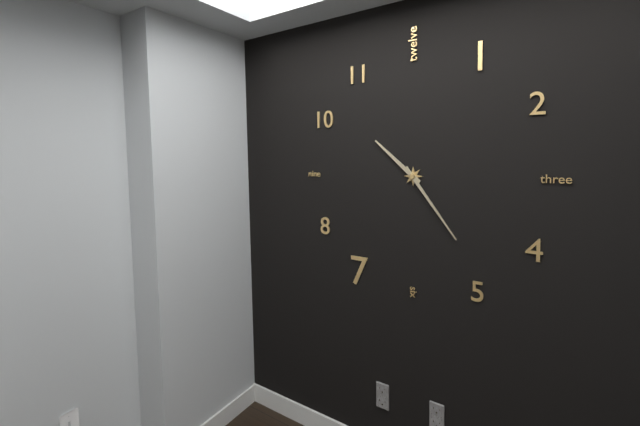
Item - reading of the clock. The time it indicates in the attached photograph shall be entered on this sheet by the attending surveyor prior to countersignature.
10:24
